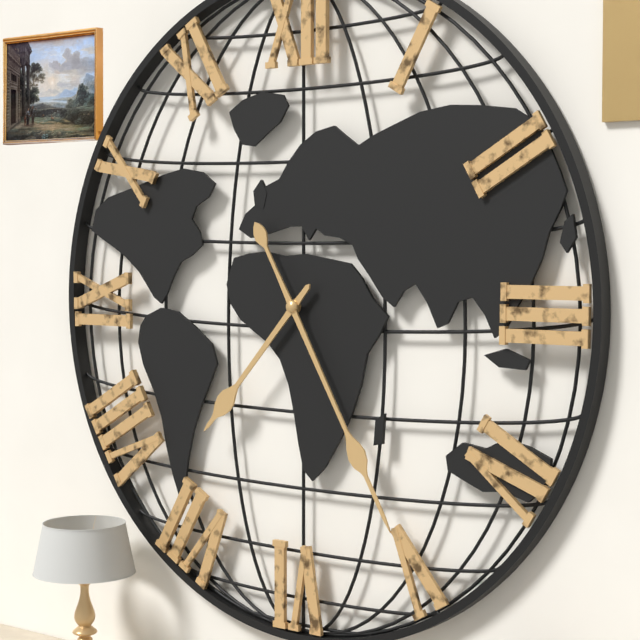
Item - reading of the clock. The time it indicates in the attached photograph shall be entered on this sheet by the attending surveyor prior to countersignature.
7:25
